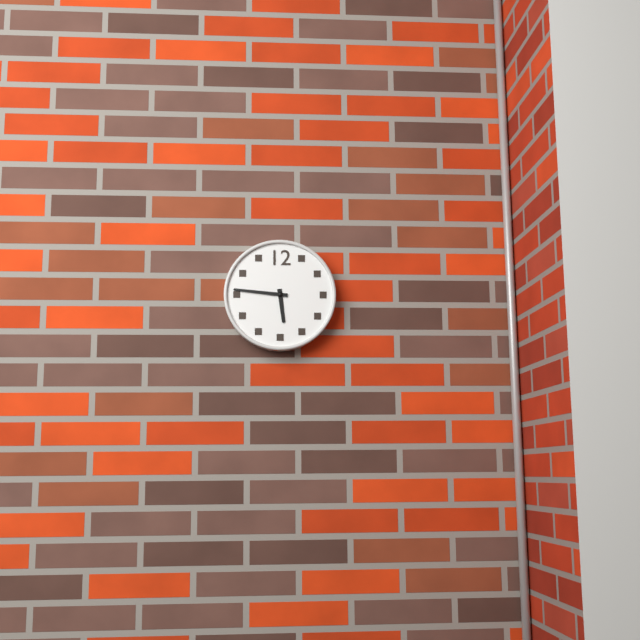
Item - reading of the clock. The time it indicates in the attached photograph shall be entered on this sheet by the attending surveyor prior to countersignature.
5:46
